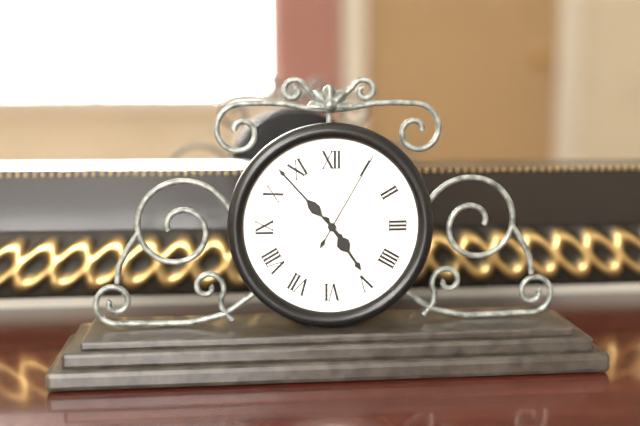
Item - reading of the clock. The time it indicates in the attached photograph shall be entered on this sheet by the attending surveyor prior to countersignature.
4:53:05
